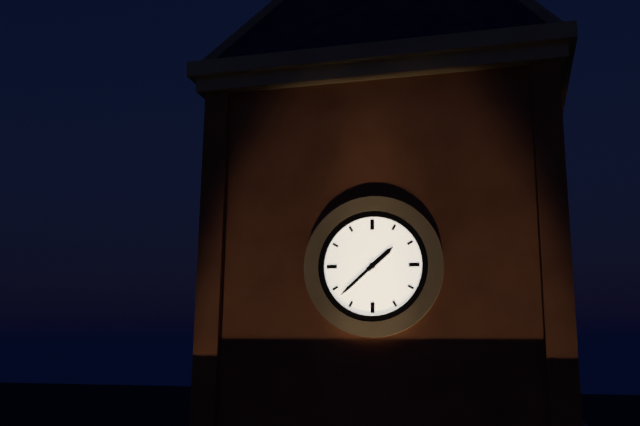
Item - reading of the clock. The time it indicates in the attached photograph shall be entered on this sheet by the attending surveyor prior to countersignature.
1:38
